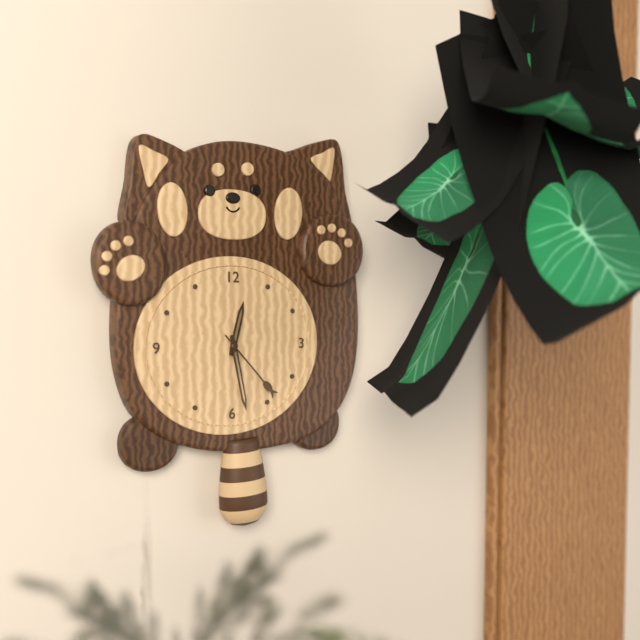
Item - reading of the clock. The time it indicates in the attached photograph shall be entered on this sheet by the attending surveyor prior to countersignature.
12:28:23
